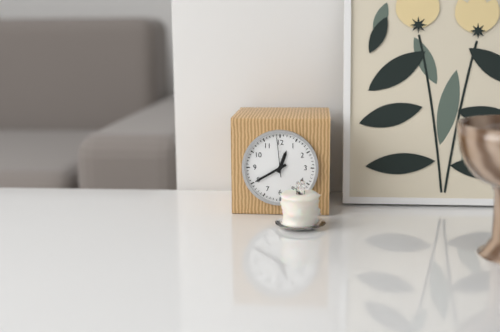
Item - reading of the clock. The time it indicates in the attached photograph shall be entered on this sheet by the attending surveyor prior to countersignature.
12:40
